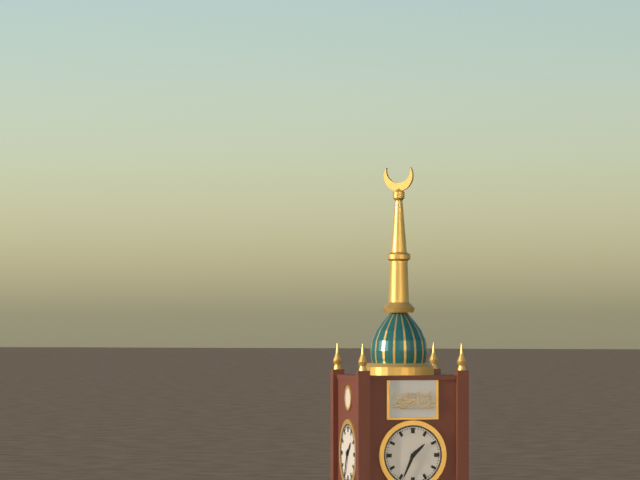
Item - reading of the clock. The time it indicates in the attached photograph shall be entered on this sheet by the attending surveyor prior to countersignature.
1:34
